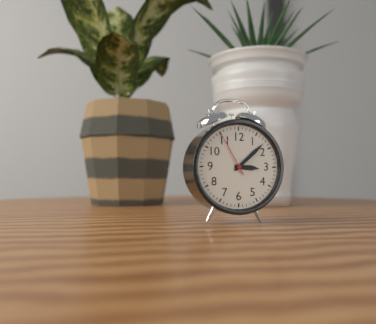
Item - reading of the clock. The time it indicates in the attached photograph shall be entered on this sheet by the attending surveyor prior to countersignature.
3:08
